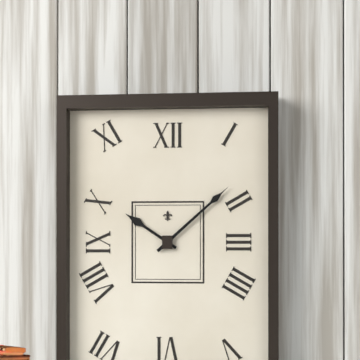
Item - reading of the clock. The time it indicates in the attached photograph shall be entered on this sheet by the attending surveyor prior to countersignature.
10:08
